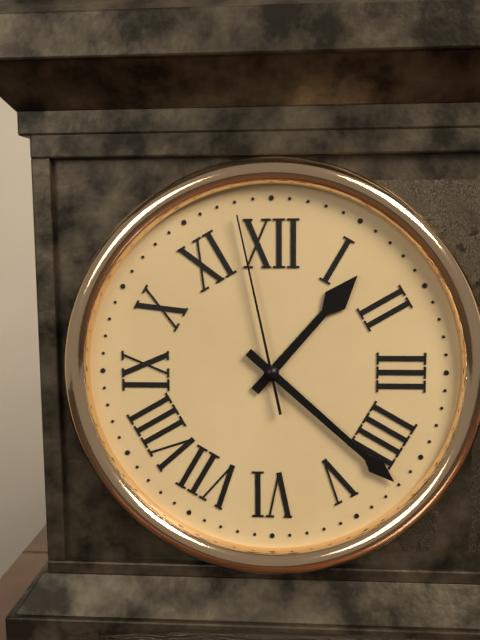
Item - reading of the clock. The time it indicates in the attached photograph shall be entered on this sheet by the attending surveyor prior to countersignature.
1:22:58
